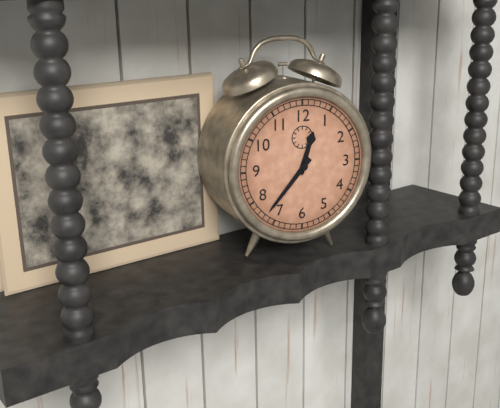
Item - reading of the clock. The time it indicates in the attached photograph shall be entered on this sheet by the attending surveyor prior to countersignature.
12:37
